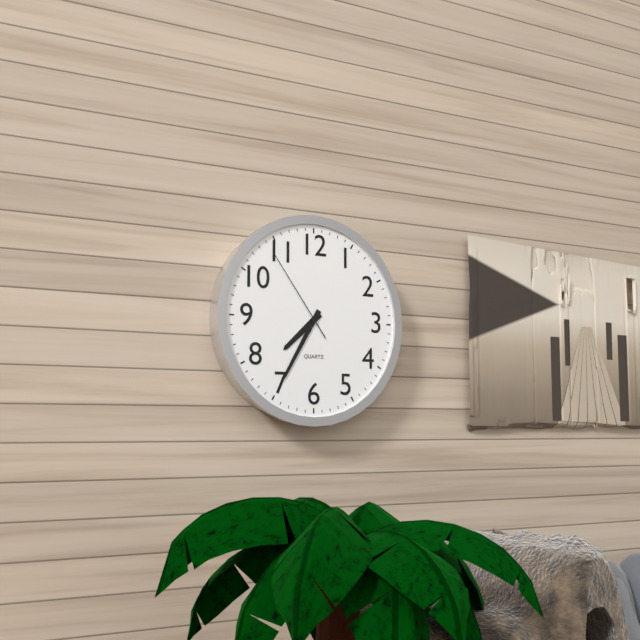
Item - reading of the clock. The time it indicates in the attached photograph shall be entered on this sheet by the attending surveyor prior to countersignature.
7:35:54
